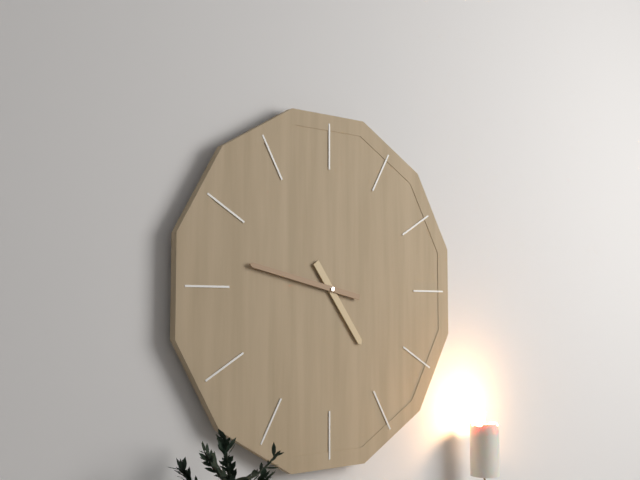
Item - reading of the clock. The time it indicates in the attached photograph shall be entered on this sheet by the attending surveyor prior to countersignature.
4:47
